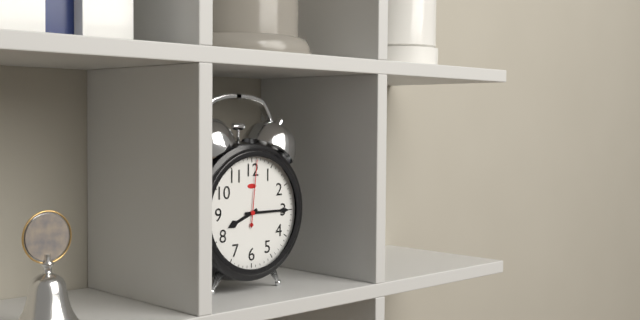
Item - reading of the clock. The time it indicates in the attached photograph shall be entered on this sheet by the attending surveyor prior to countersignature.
8:15:01
